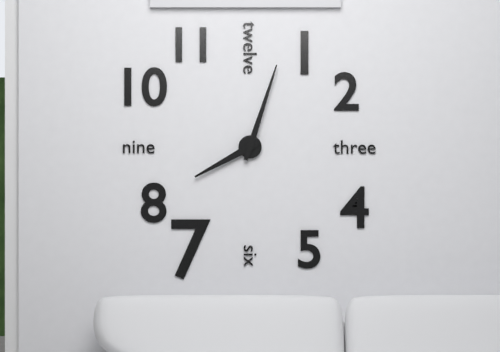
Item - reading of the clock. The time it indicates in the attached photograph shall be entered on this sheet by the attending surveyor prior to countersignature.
8:03
